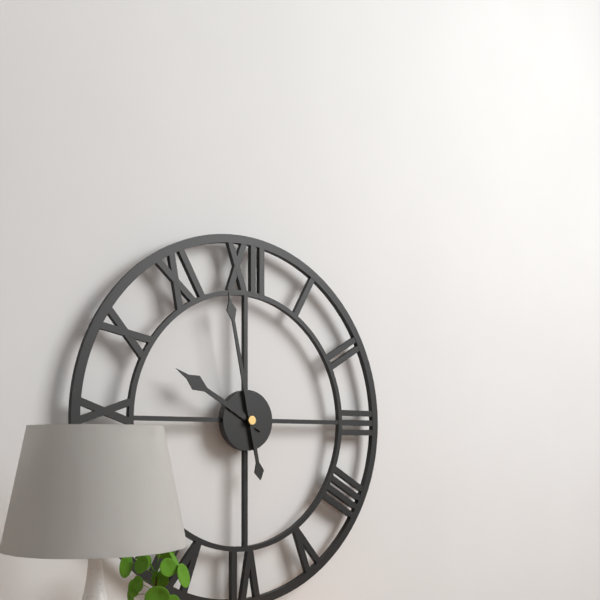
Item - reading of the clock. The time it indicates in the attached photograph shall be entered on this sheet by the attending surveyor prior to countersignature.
9:58
